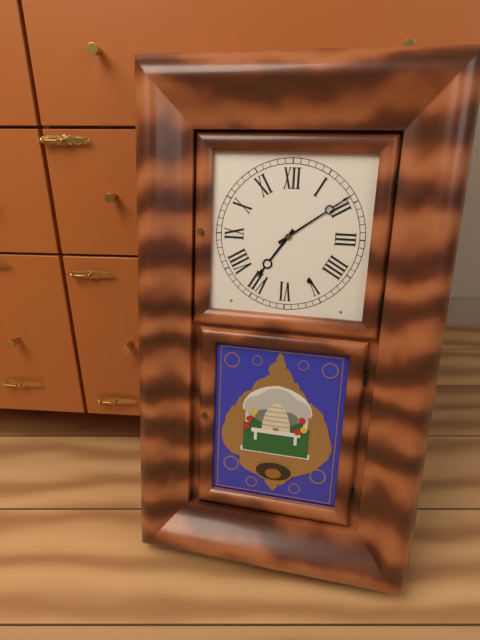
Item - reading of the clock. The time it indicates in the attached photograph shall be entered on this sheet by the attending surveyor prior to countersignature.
7:09
